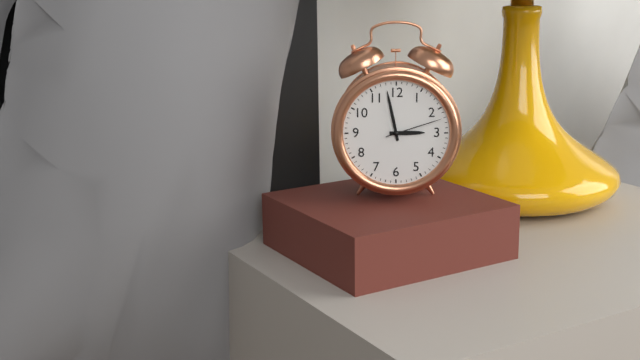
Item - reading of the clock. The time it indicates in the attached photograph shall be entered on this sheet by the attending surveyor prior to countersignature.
2:58:12
